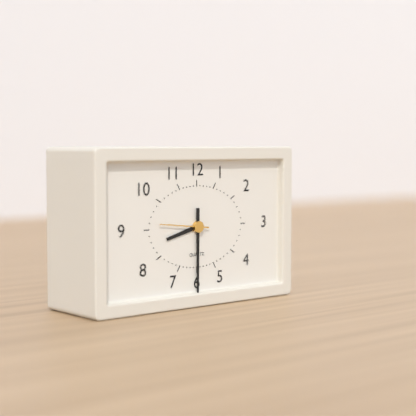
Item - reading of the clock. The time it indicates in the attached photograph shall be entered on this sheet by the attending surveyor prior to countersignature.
8:30
